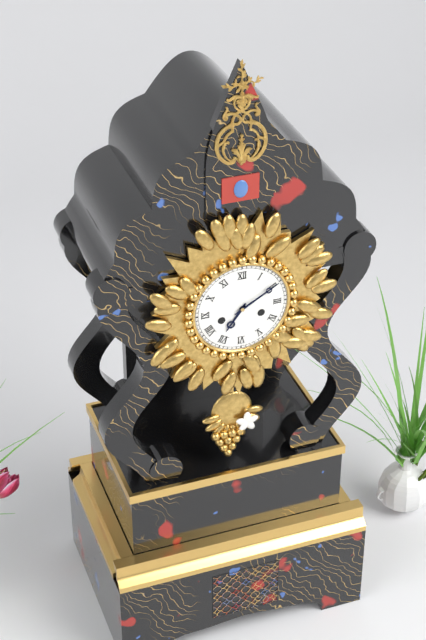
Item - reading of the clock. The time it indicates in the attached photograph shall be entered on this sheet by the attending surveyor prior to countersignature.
7:10
